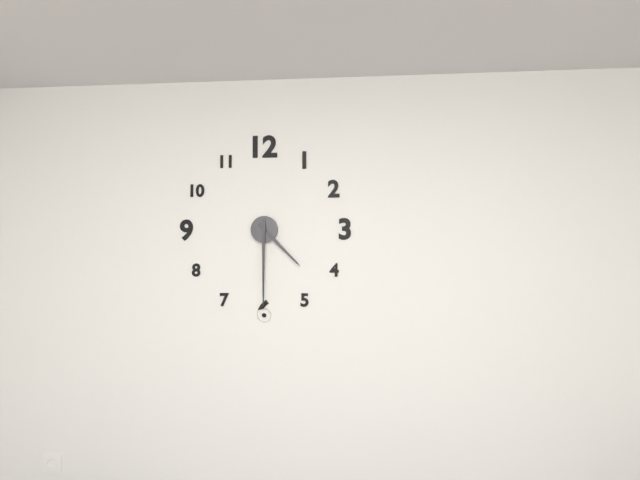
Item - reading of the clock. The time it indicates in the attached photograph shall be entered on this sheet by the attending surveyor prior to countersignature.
4:30
